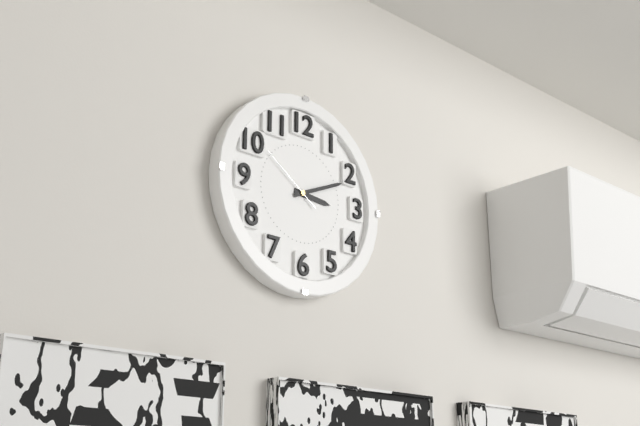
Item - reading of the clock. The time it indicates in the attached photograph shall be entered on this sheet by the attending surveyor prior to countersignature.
3:11:51
